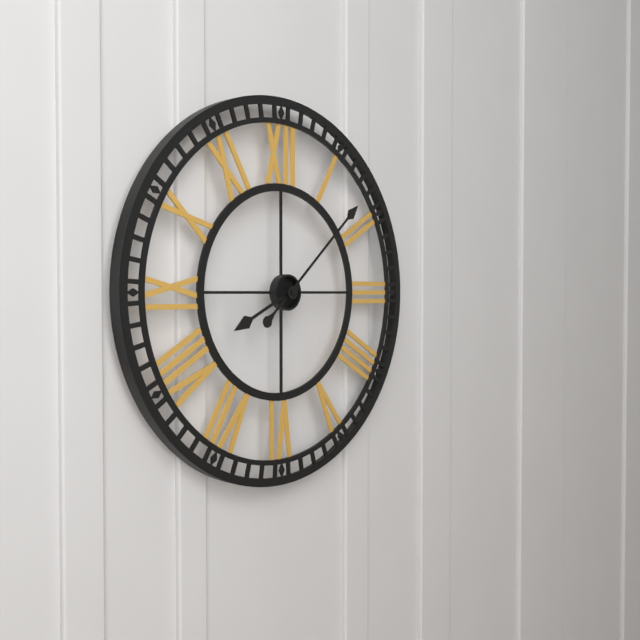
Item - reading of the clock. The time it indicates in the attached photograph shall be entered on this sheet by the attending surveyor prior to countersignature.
8:08
